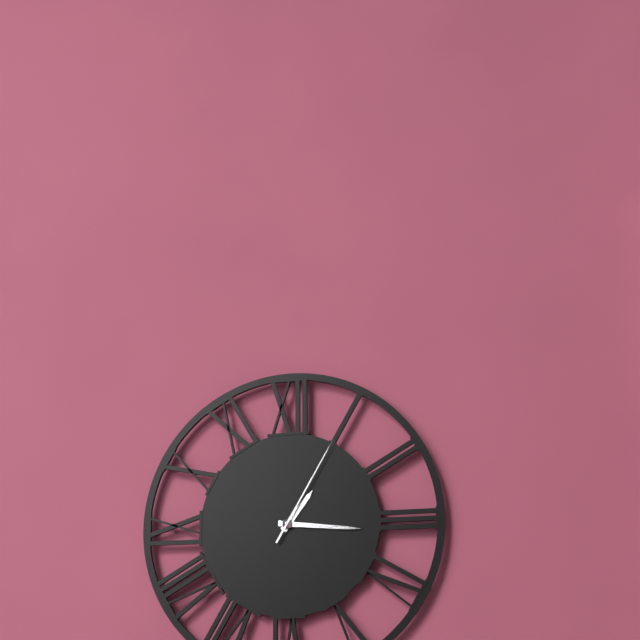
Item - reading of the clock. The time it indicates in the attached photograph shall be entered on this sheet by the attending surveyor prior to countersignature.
1:16:05
